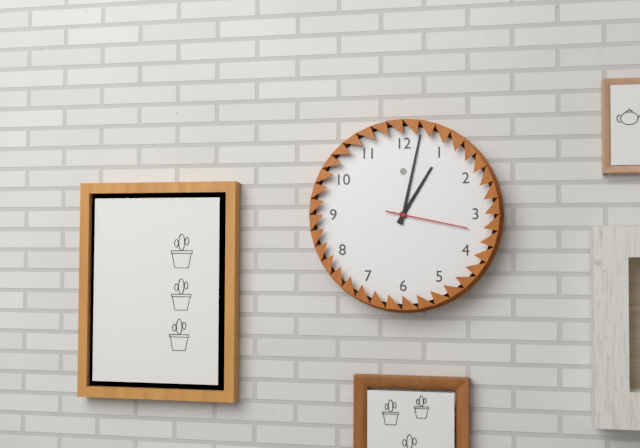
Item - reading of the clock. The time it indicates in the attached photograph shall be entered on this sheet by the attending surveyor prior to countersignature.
1:02:17
